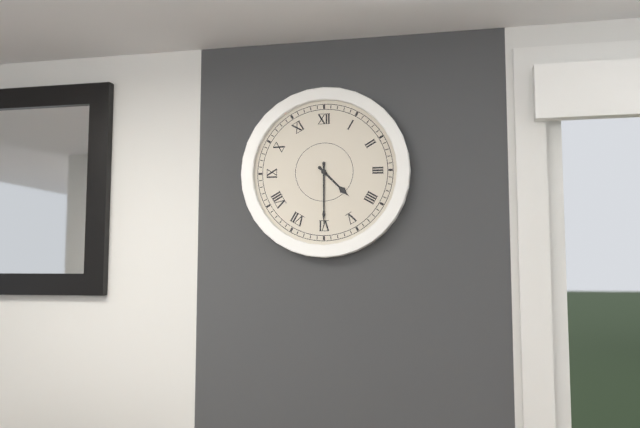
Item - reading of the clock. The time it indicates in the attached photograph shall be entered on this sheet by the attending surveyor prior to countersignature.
4:30
